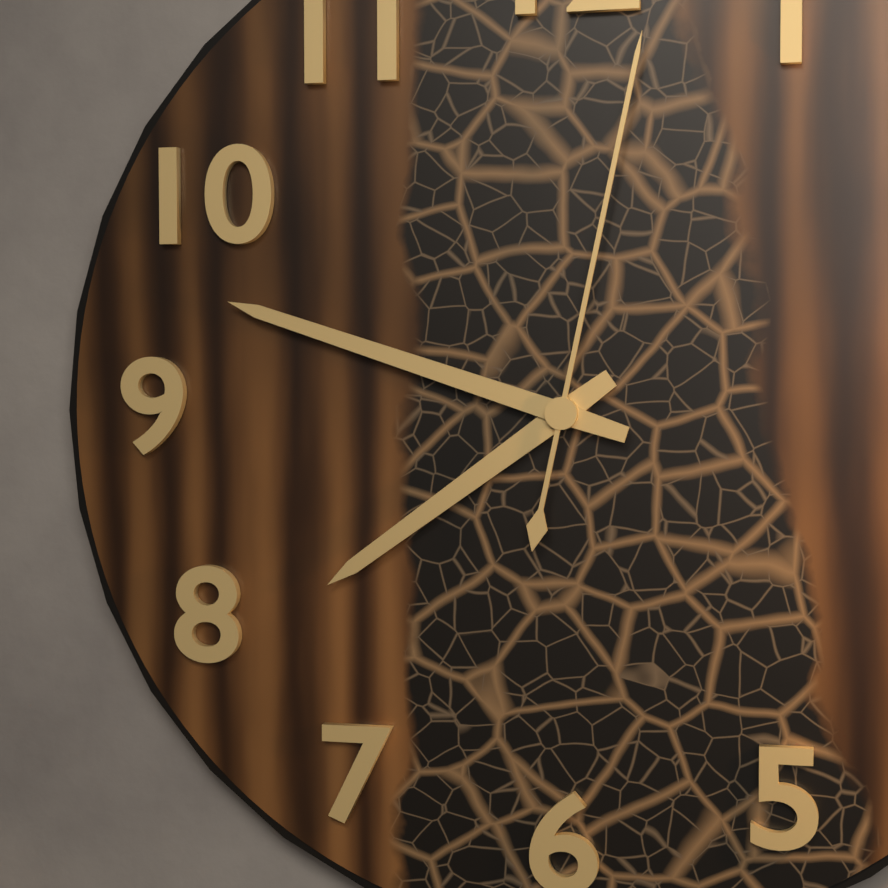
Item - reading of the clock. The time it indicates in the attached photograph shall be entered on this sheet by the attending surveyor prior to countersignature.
7:48:02
